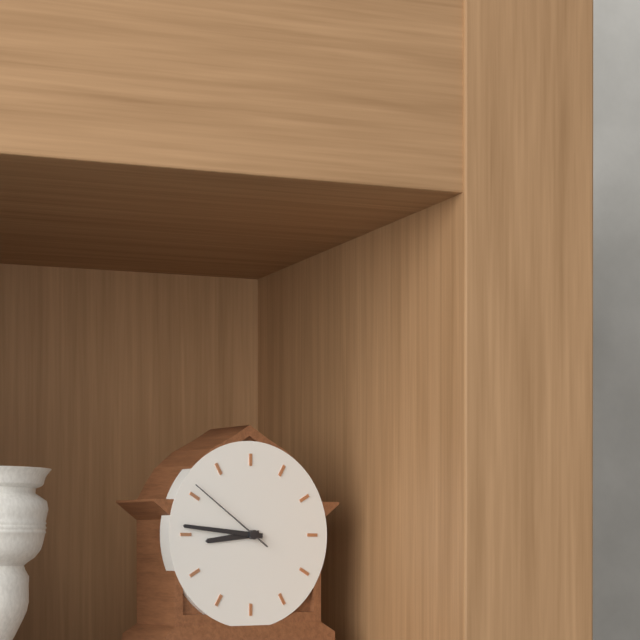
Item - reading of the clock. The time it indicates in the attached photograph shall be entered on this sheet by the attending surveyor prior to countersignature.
8:46:51
